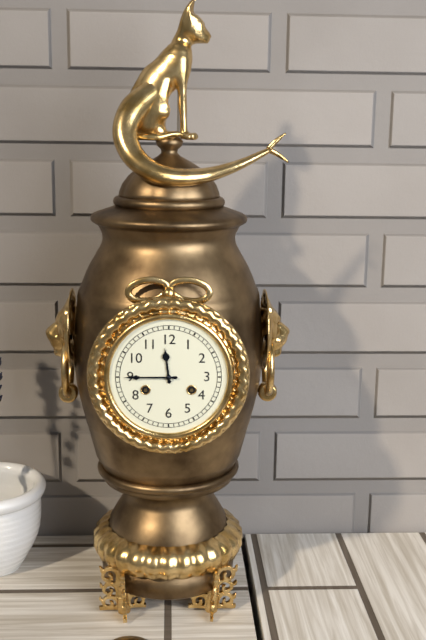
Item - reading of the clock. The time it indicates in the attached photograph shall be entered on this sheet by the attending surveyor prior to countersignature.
11:45
